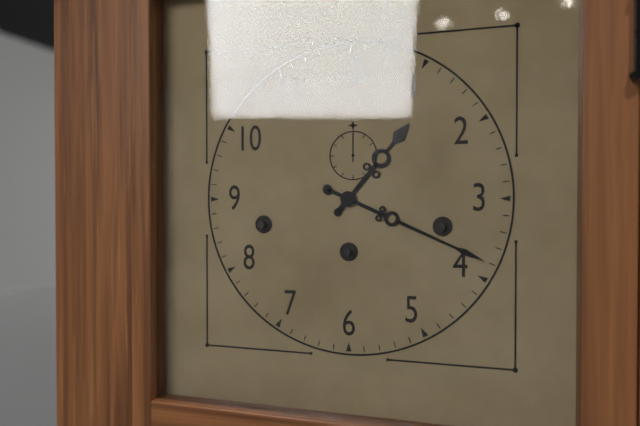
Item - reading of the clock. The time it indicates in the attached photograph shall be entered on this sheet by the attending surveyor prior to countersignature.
1:19
